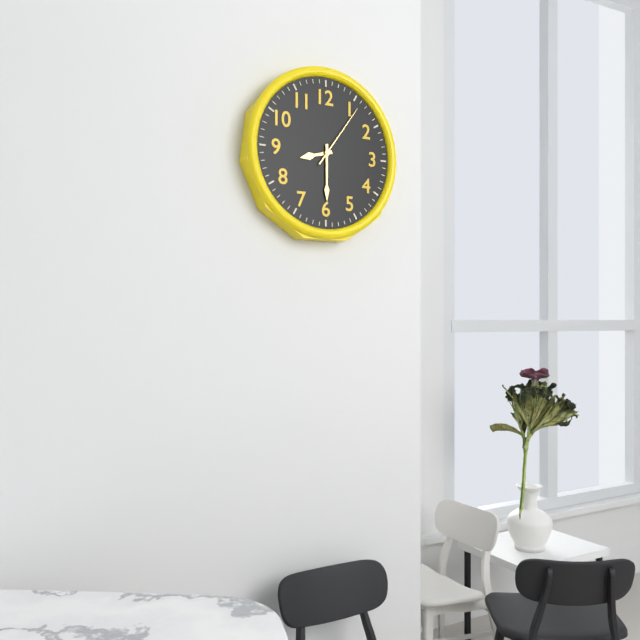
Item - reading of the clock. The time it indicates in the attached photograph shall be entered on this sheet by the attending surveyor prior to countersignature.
8:30:06
